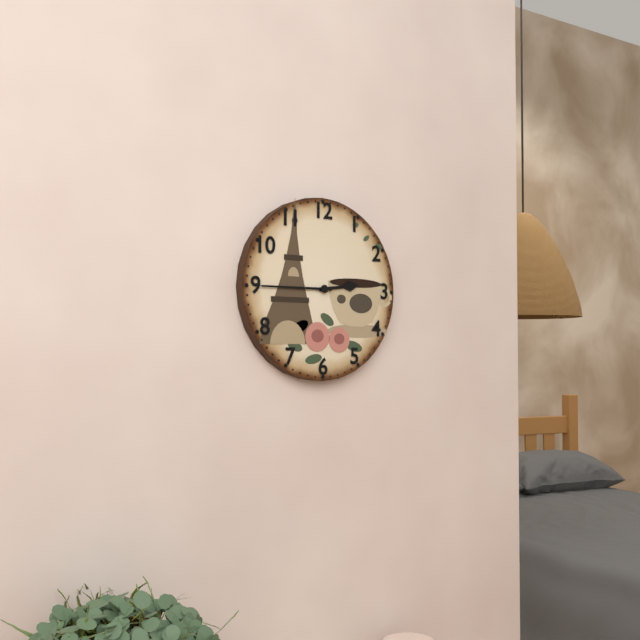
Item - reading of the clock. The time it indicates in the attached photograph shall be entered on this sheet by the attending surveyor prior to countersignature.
2:45
